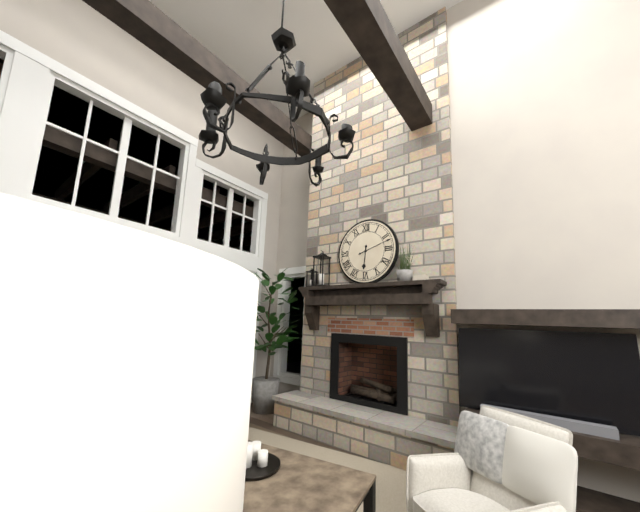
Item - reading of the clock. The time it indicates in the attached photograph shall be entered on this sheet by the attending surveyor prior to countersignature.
6:12
